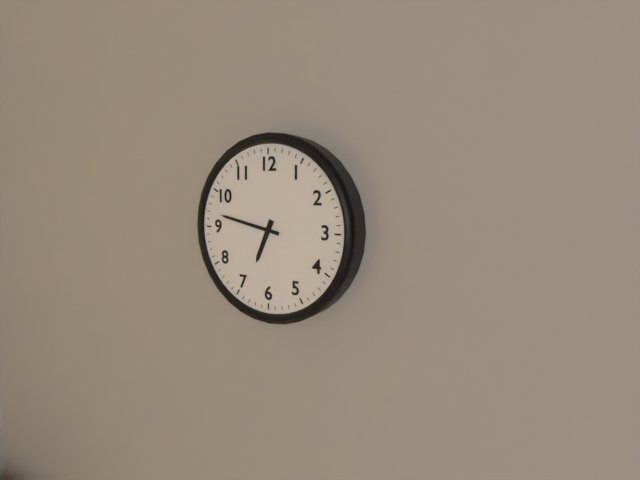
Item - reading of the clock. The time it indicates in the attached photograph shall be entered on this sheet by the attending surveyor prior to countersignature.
6:47
